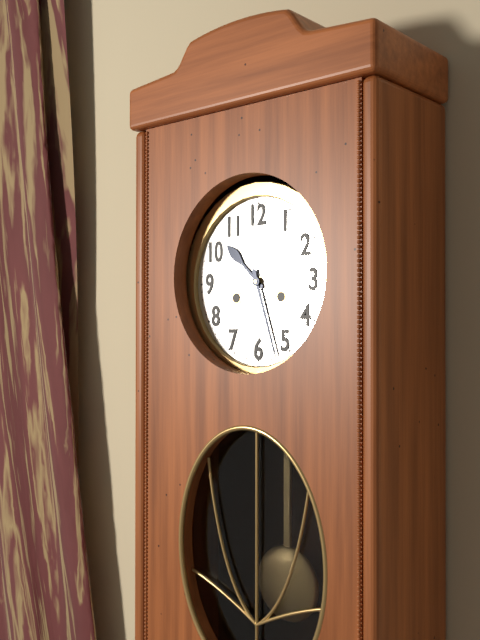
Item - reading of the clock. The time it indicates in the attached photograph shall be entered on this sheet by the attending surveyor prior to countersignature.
10:27
